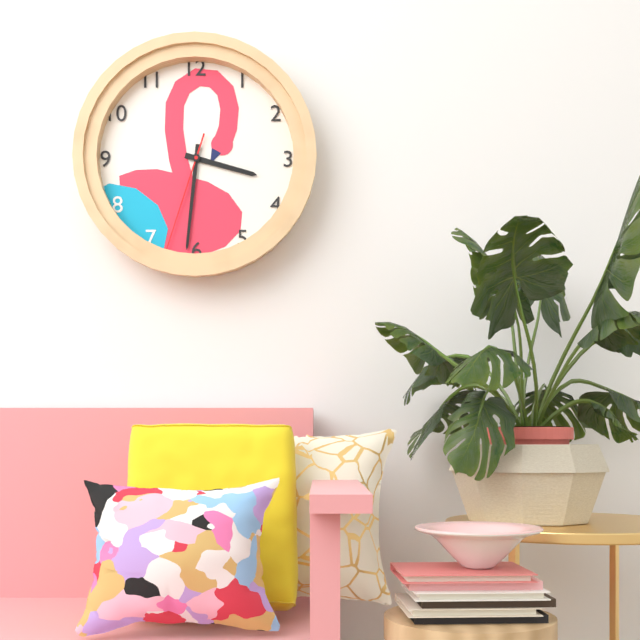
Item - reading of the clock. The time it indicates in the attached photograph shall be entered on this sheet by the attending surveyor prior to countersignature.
3:31:33
